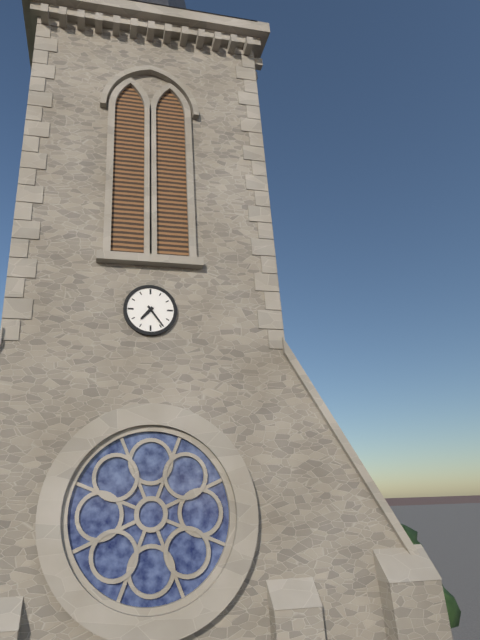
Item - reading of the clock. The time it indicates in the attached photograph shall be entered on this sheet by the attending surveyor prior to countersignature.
7:24
